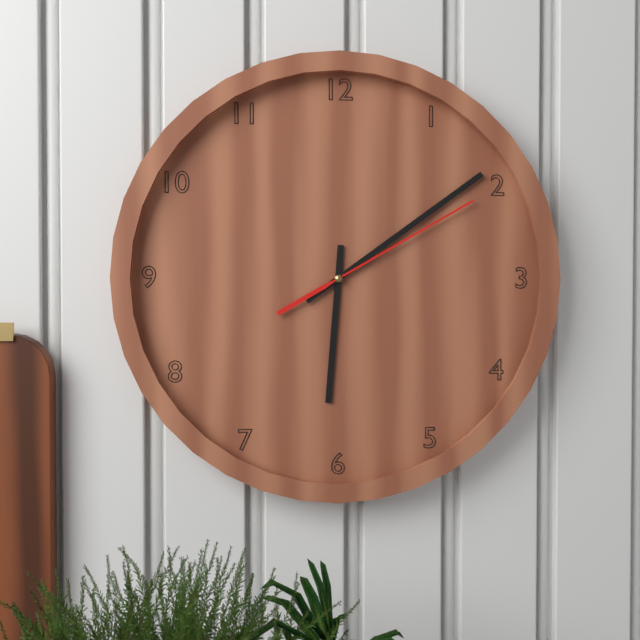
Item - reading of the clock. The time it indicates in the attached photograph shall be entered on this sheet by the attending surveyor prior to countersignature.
6:09:10
